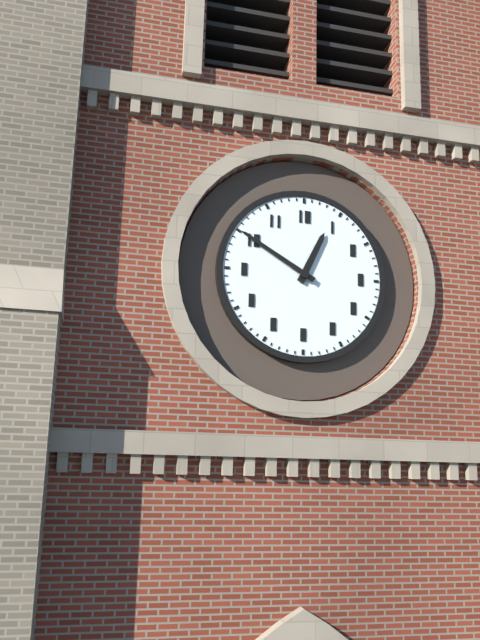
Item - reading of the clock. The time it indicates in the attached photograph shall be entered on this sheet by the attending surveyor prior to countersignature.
12:50
